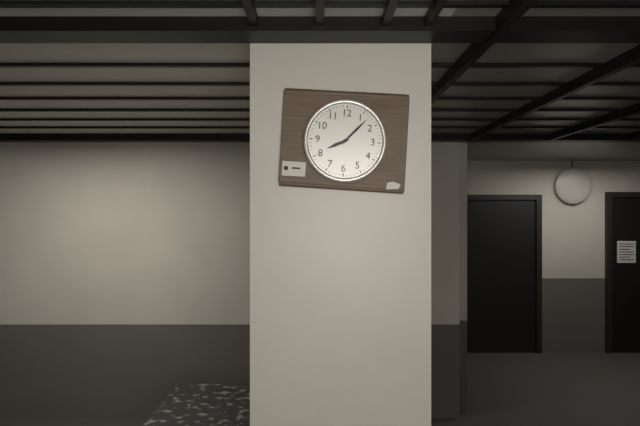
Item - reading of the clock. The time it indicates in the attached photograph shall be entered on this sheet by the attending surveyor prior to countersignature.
8:07
